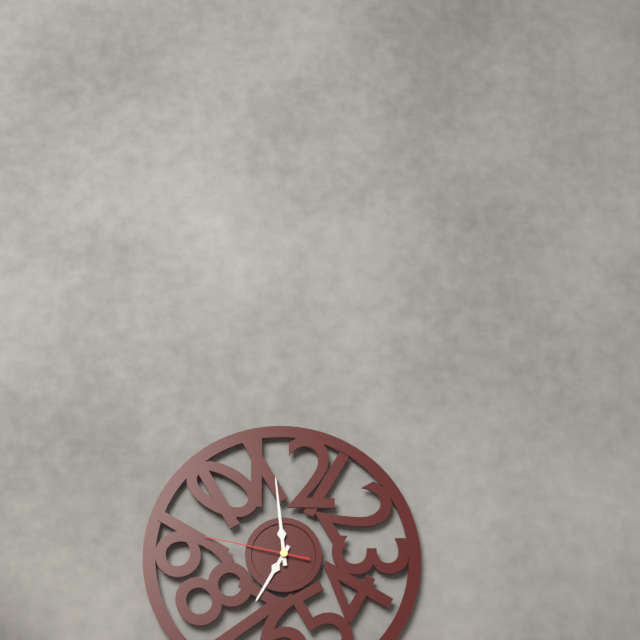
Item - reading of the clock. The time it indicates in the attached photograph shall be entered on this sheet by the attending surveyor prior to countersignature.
6:59:47
